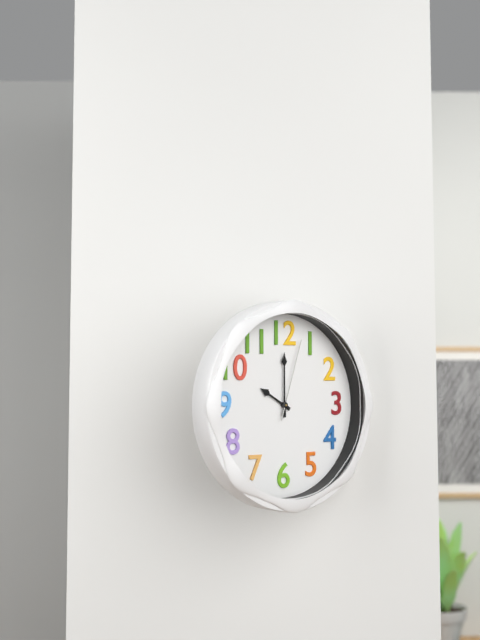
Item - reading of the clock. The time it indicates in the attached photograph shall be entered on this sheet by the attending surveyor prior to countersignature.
10:00:03
